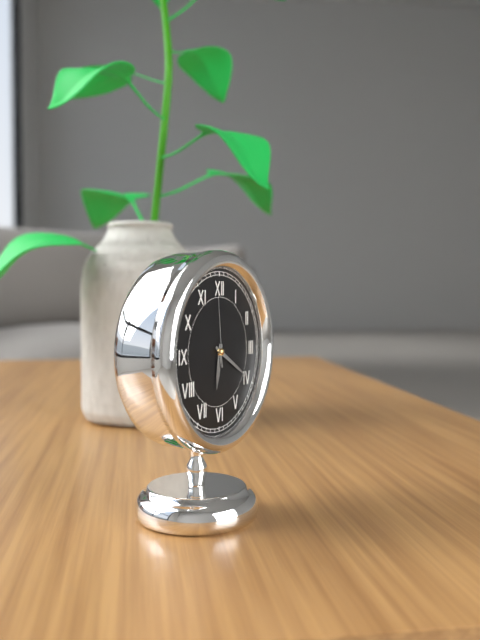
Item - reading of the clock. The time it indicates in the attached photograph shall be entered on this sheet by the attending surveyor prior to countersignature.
6:20:59
